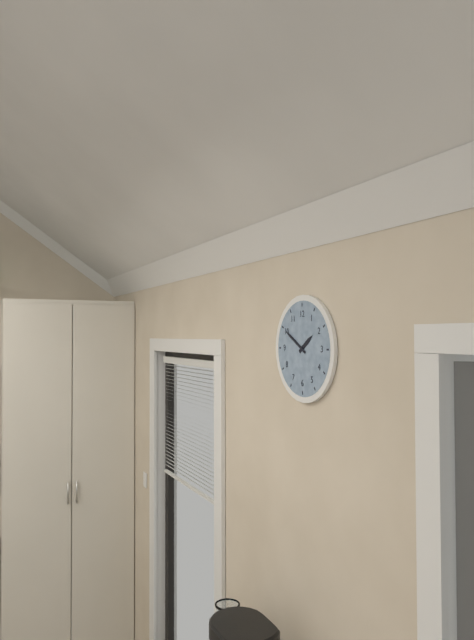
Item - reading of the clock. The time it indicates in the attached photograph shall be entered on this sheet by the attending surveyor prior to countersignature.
1:50
